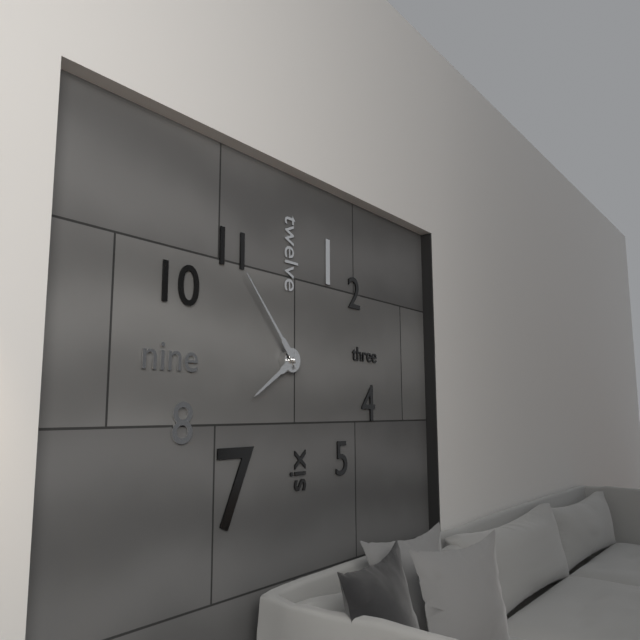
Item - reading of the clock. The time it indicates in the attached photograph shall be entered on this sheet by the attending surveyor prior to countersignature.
7:53
